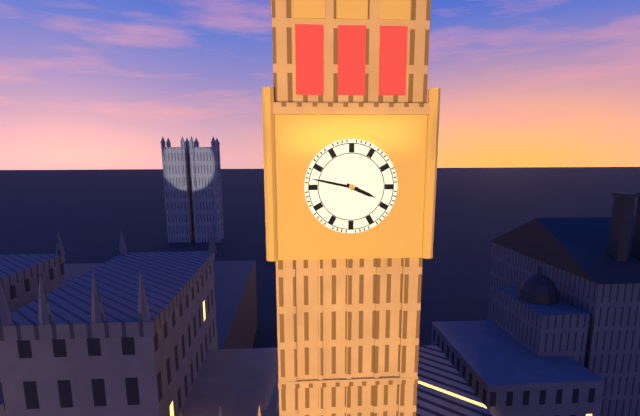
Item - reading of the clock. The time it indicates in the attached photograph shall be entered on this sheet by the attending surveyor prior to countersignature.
3:47
